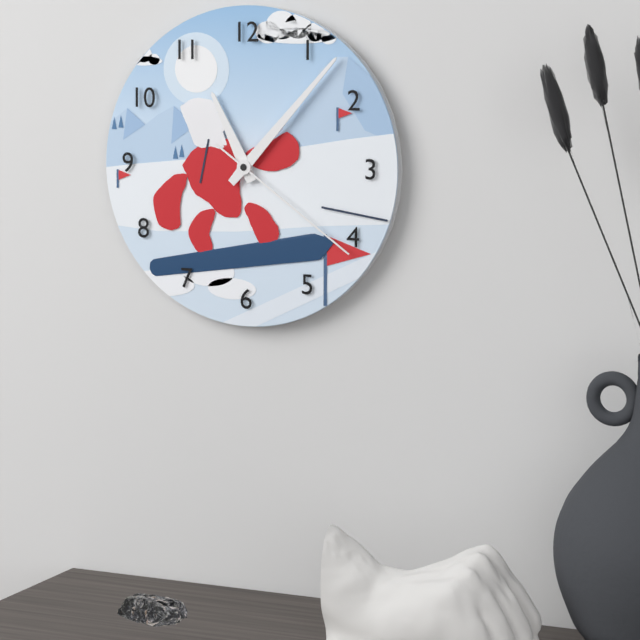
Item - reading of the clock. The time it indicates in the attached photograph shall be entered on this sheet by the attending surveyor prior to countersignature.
11:07:21
